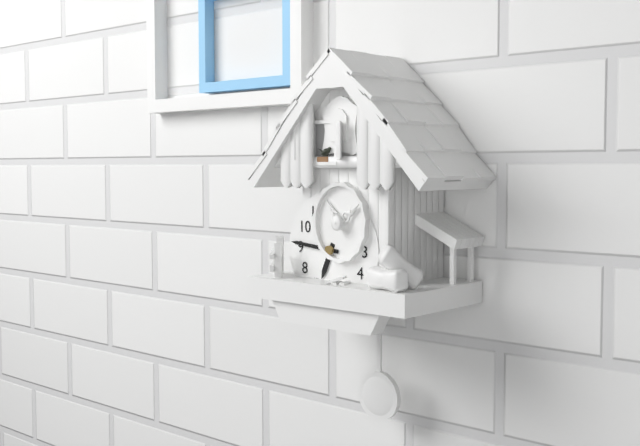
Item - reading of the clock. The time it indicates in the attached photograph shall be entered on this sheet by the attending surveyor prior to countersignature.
6:46
